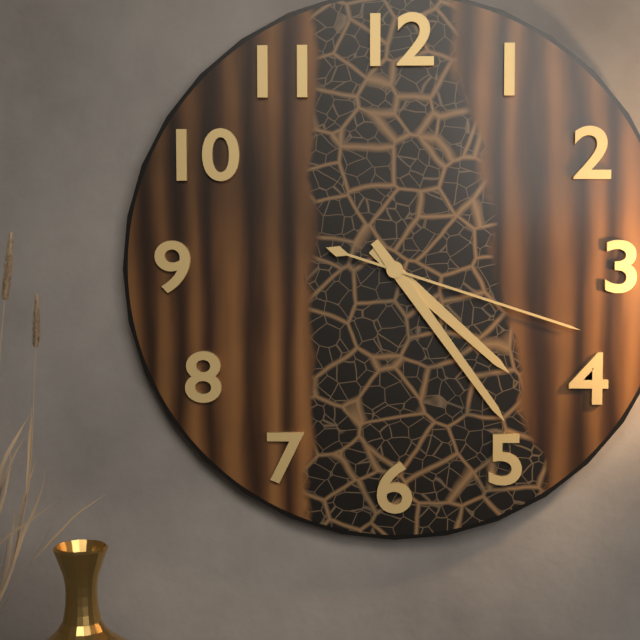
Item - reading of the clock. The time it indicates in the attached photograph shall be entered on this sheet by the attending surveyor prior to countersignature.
4:24:18
